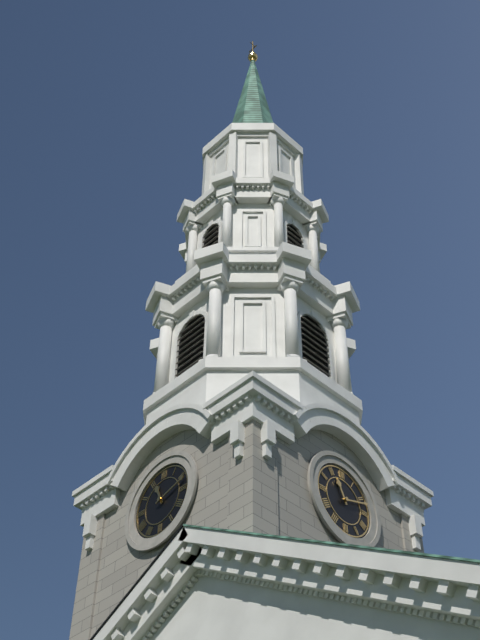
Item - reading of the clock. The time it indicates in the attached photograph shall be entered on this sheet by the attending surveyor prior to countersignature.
11:12
